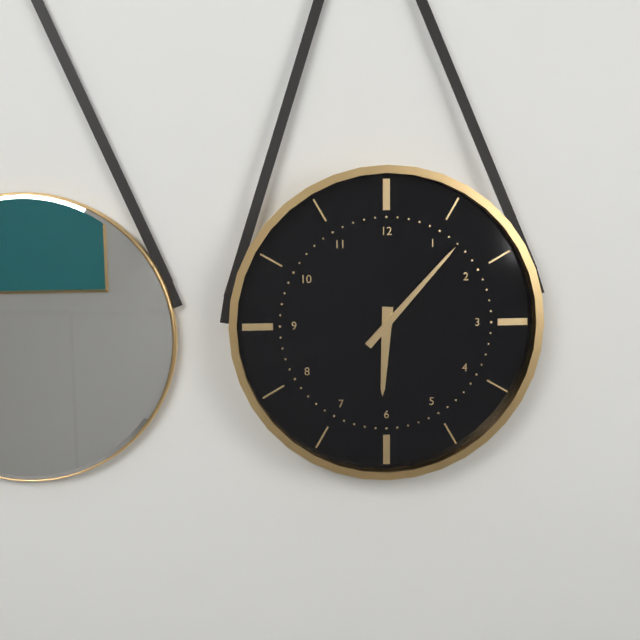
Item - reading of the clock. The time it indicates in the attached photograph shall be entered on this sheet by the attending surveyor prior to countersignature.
6:07
